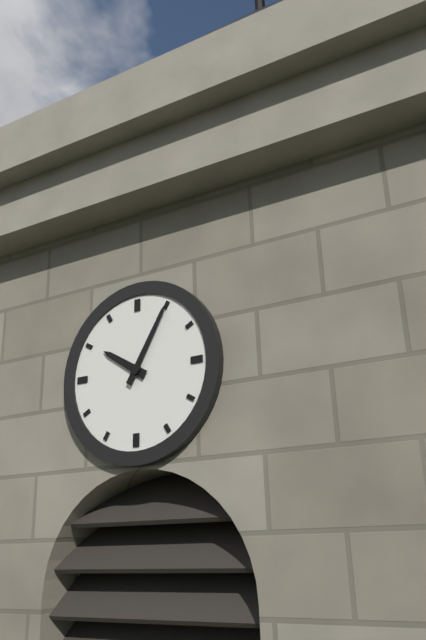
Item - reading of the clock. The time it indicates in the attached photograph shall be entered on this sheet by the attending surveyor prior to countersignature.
10:05
